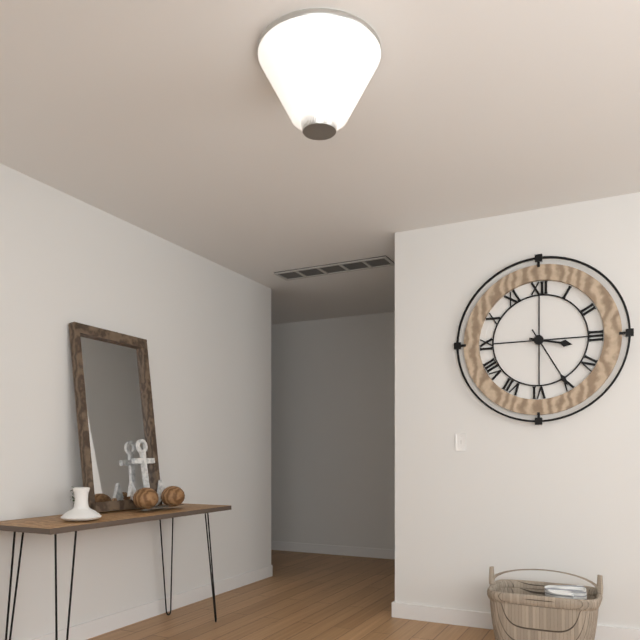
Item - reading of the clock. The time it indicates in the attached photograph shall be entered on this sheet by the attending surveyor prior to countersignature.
3:25
